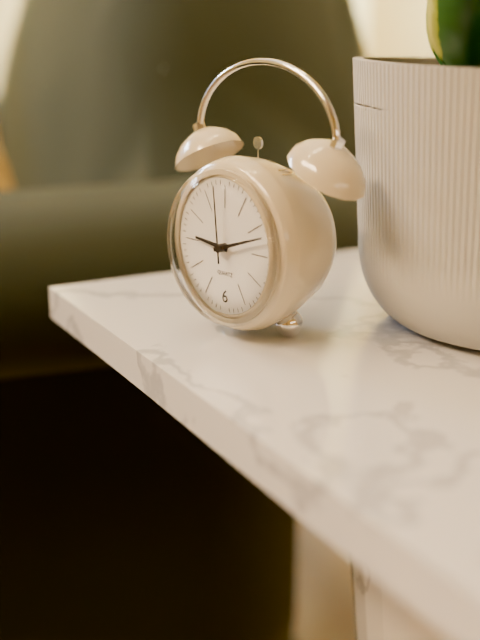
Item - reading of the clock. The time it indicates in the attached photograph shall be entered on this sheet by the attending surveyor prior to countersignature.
9:12:59
